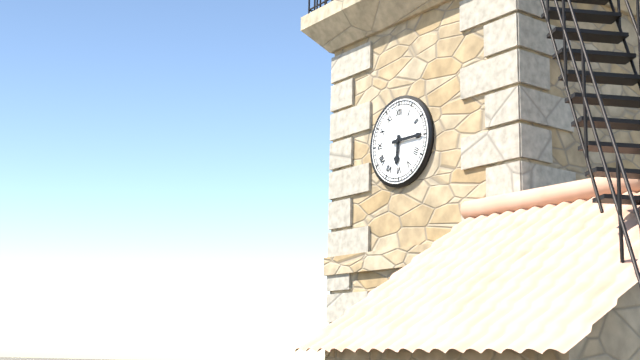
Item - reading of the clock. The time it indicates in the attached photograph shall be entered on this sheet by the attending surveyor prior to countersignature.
6:15
